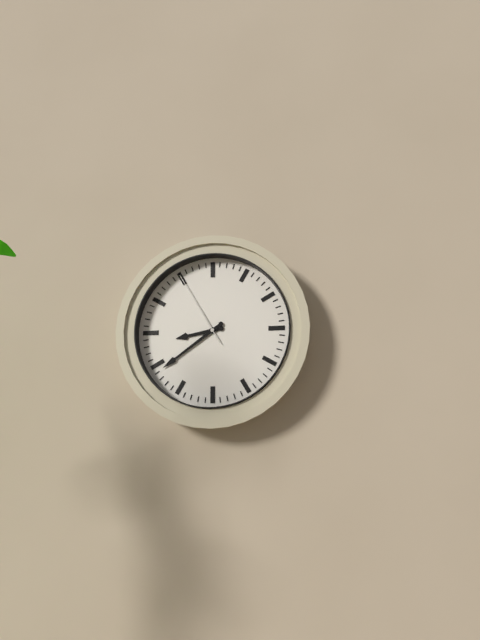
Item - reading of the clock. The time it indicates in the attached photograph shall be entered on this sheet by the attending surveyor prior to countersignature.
8:39:55
